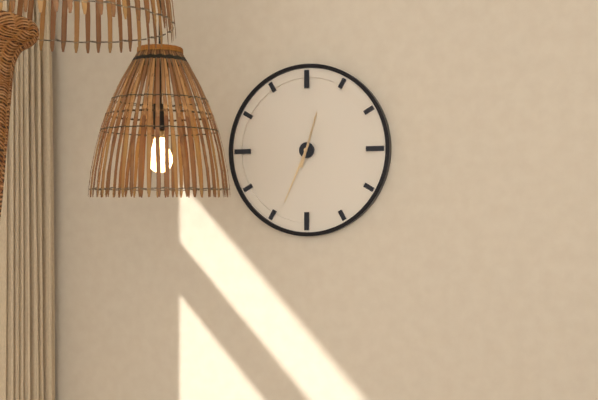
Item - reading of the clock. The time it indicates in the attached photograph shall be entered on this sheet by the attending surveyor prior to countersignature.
12:34
